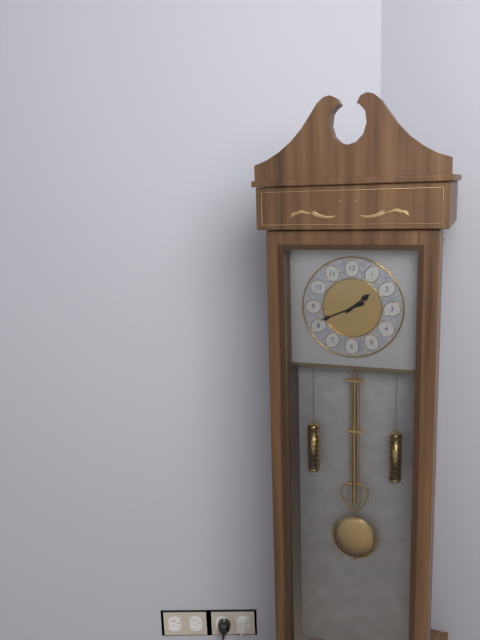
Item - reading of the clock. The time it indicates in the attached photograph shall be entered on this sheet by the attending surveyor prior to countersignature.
1:41
